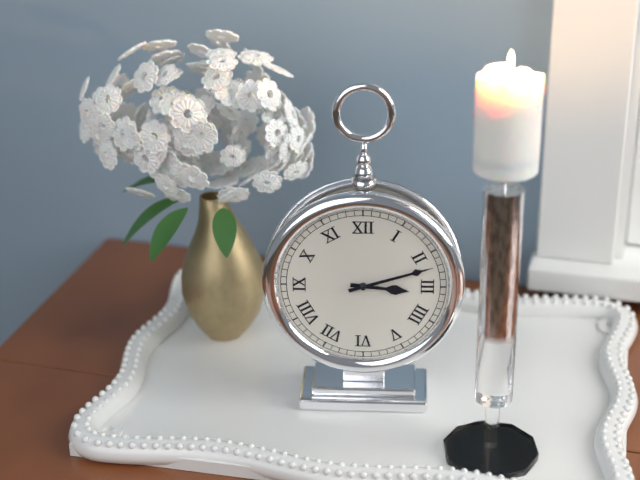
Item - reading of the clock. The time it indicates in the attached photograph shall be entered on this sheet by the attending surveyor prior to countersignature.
3:12
